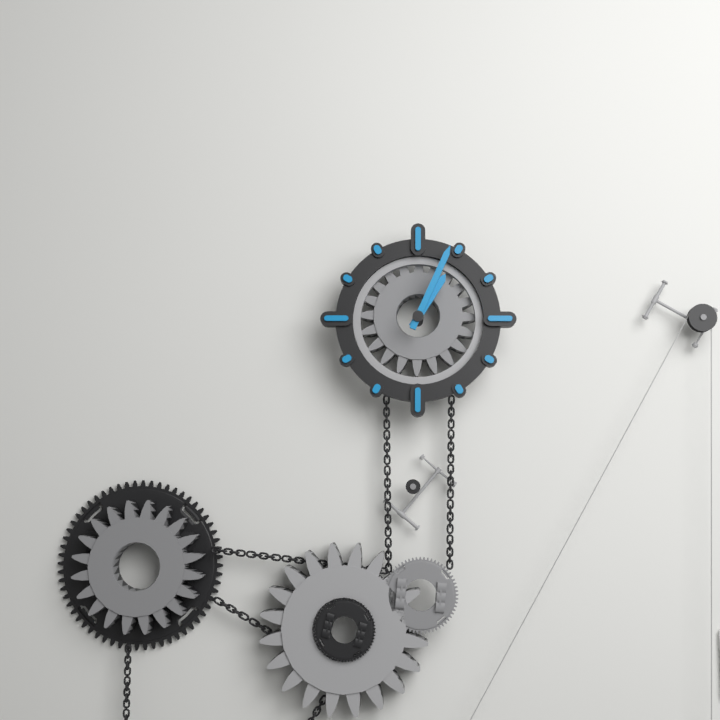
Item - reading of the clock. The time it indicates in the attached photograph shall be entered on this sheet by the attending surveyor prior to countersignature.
1:04
